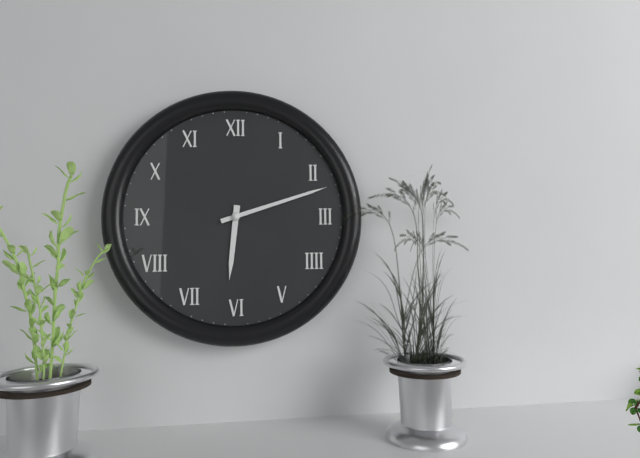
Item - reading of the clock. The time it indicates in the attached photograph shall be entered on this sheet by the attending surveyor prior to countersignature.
6:12
